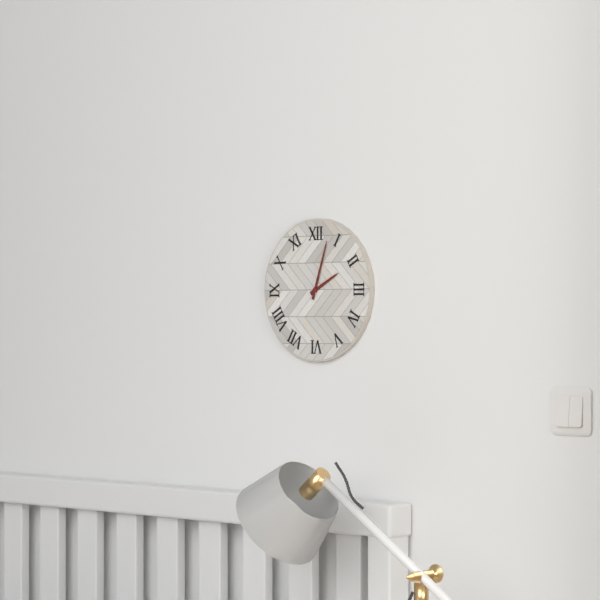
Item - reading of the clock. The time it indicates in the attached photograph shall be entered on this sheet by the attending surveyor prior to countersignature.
2:03
